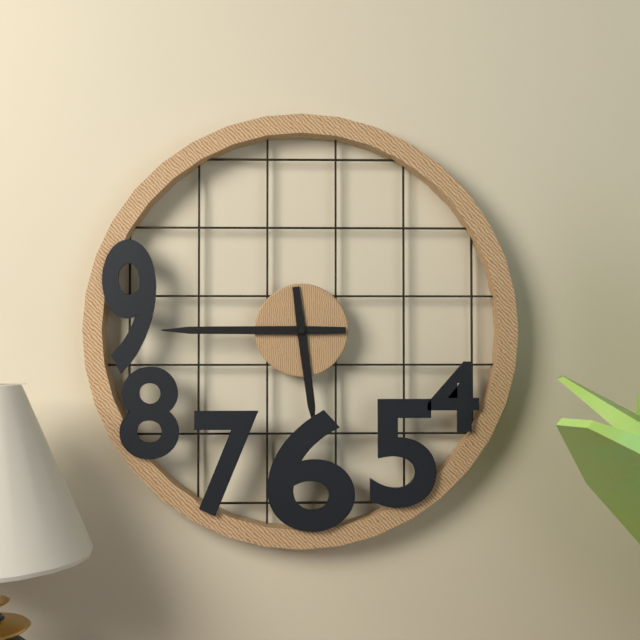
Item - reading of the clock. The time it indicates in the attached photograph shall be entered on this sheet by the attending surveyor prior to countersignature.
5:45
